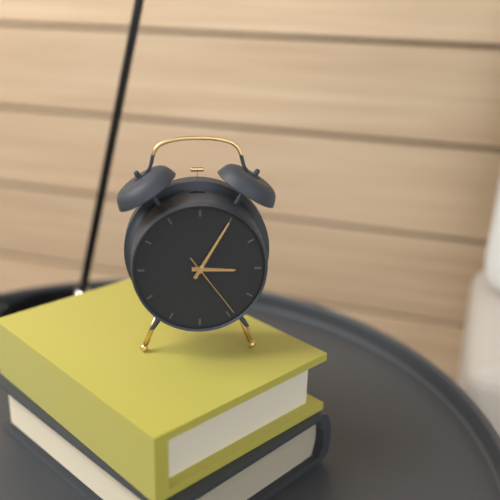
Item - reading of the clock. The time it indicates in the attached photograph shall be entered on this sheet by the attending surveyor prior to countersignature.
3:05:24
